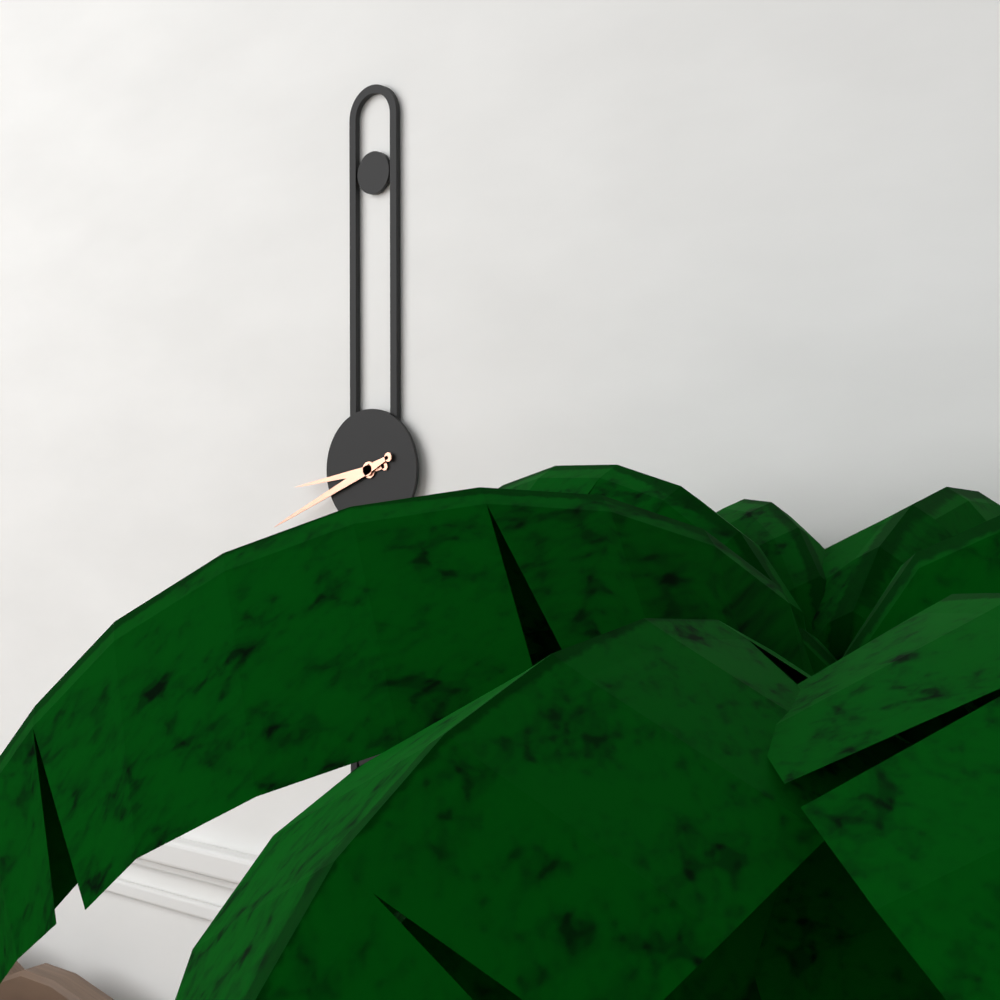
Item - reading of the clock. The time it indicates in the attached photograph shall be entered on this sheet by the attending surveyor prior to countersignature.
8:41
